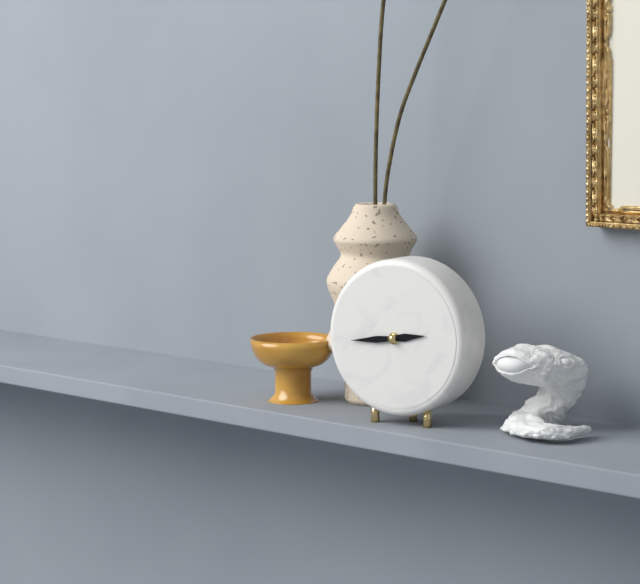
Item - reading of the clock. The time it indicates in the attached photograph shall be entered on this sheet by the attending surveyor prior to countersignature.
2:44
